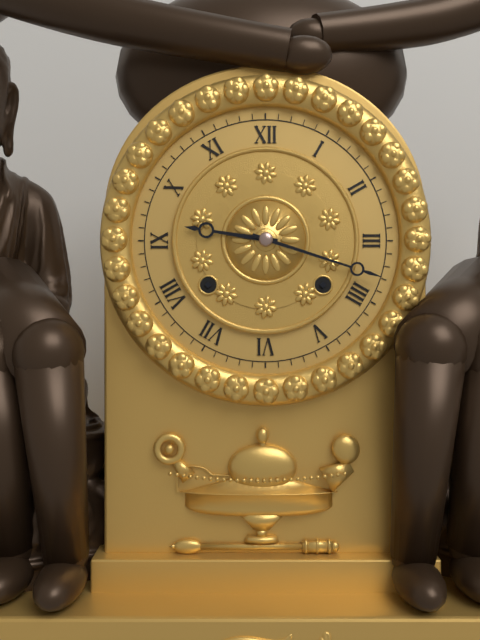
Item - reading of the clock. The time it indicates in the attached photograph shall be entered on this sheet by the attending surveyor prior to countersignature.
9:18
